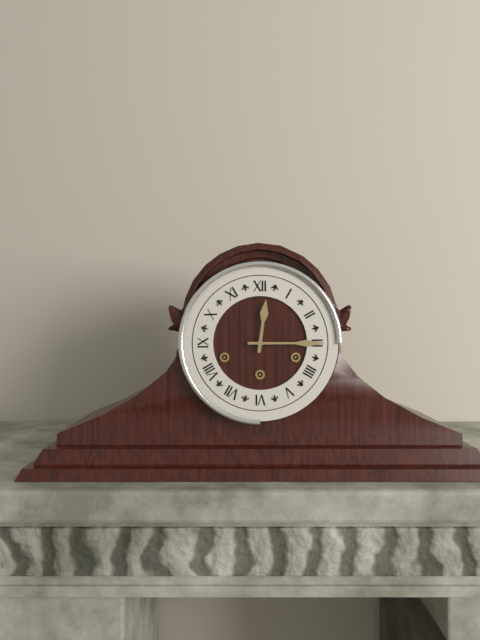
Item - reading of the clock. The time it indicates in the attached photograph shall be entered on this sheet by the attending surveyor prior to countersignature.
12:15
